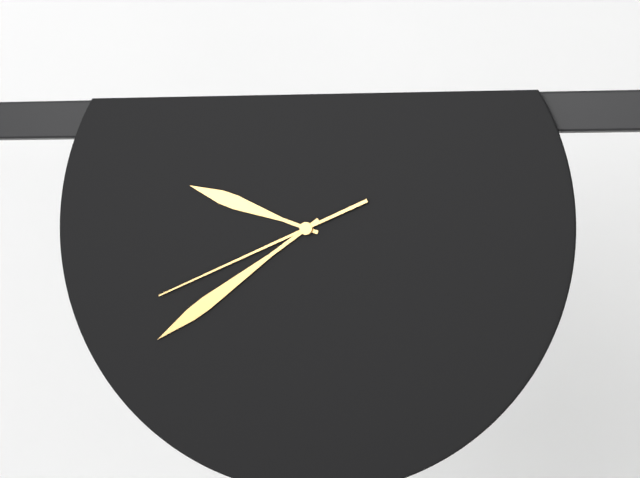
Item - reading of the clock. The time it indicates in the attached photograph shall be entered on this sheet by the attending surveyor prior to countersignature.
9:39:41
